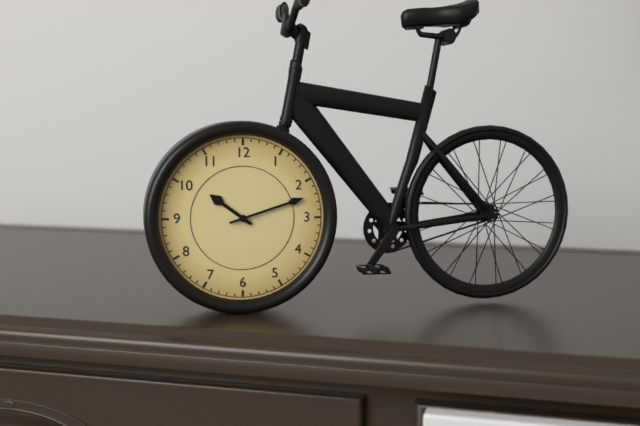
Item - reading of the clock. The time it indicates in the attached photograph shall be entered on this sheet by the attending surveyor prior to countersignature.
10:12
